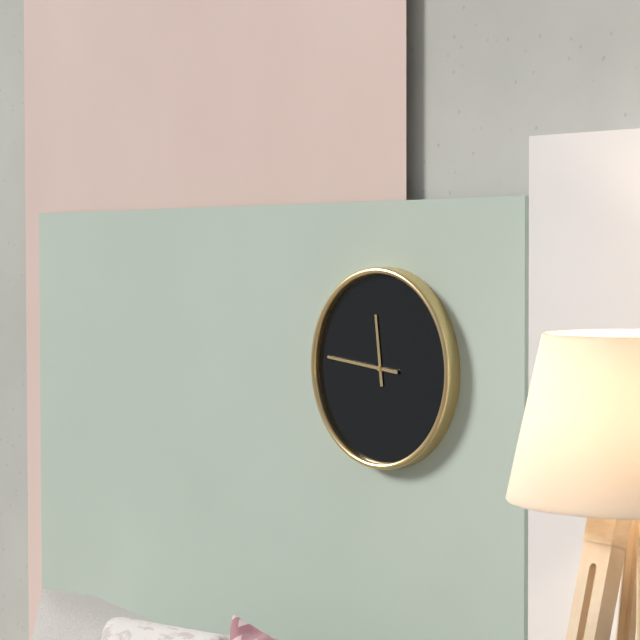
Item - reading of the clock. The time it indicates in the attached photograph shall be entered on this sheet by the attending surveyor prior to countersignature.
11:46
